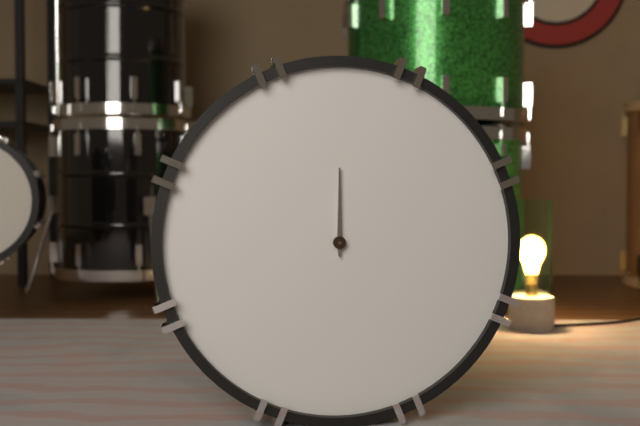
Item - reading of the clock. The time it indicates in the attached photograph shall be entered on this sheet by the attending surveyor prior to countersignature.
12:00
